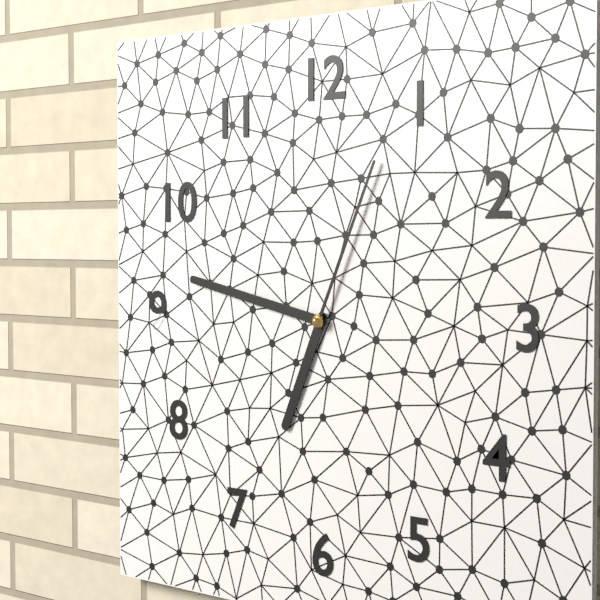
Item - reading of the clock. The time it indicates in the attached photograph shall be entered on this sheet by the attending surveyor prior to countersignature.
6:47:04
